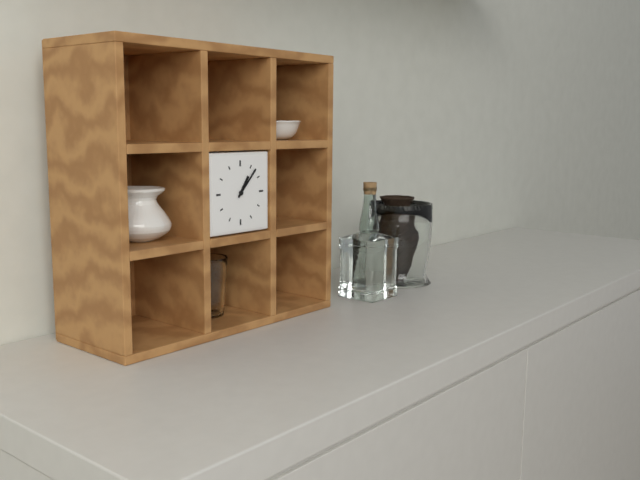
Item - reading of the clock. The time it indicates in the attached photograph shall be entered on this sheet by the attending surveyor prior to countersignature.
1:07
